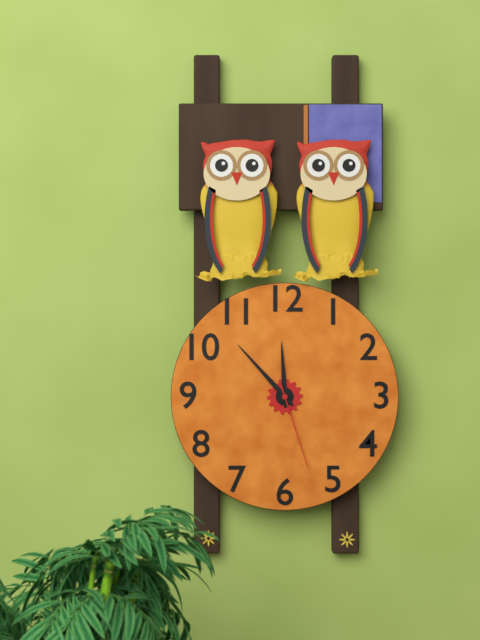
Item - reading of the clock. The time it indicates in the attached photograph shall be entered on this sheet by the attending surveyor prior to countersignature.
11:53:27
